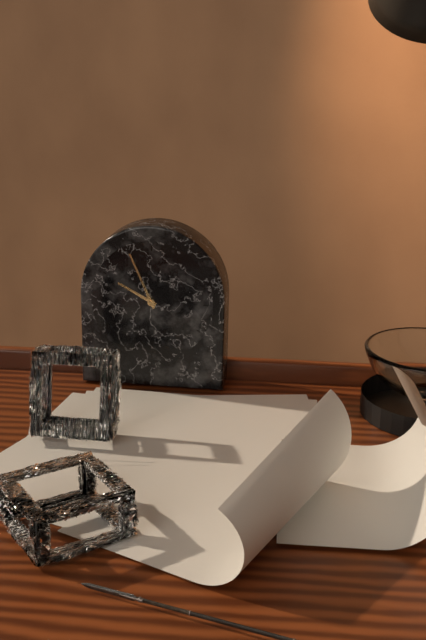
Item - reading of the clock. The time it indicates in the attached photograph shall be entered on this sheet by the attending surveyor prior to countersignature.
9:56
